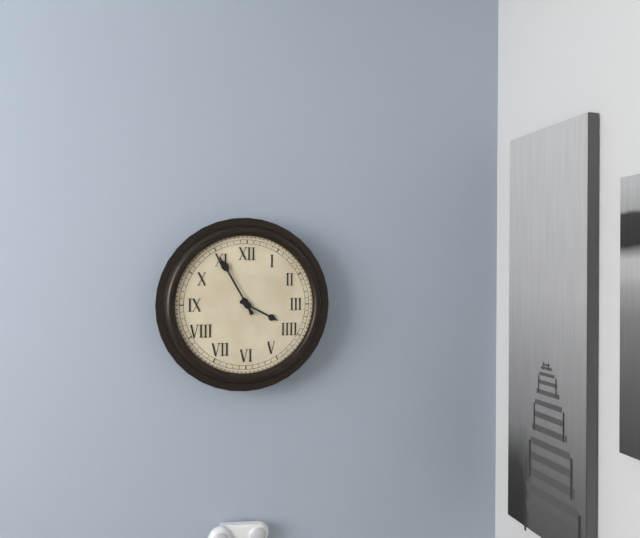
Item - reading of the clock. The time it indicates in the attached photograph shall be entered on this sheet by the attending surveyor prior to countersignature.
3:55
